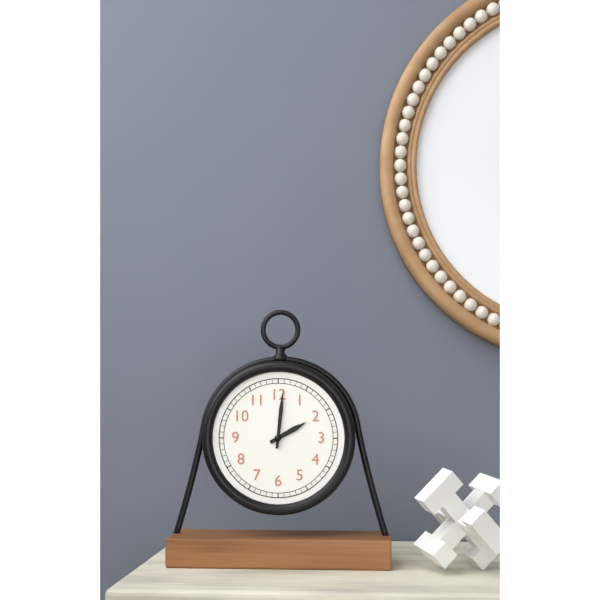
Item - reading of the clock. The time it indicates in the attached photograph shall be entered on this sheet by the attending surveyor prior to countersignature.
2:01
